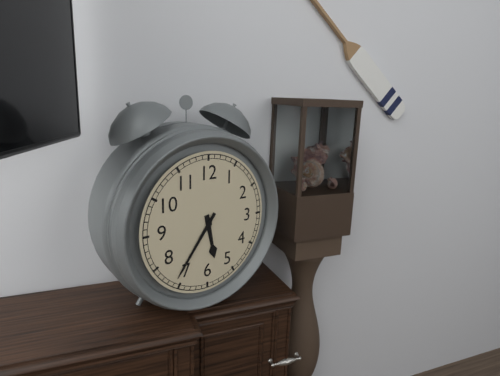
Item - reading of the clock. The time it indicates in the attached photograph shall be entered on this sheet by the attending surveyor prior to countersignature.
5:36
